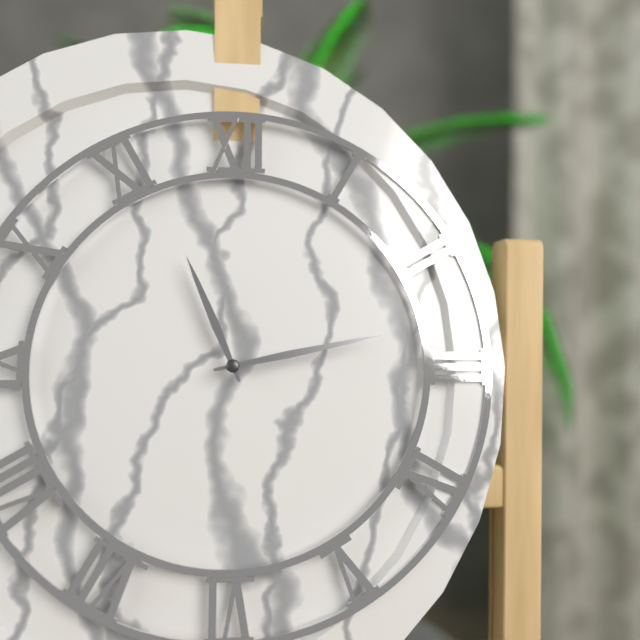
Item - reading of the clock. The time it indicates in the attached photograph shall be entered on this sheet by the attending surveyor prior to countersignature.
11:13
